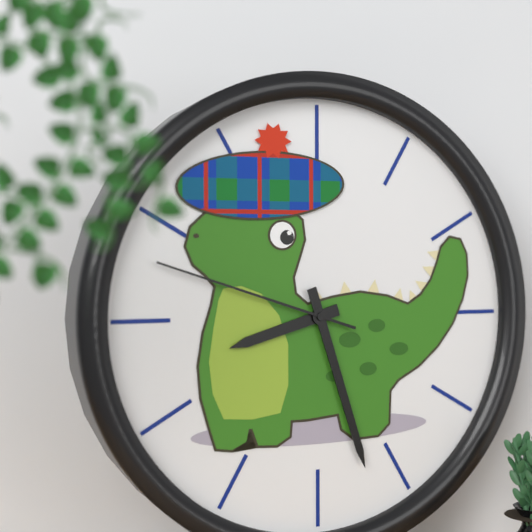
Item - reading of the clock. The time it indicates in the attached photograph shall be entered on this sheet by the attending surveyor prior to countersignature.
8:27:48
